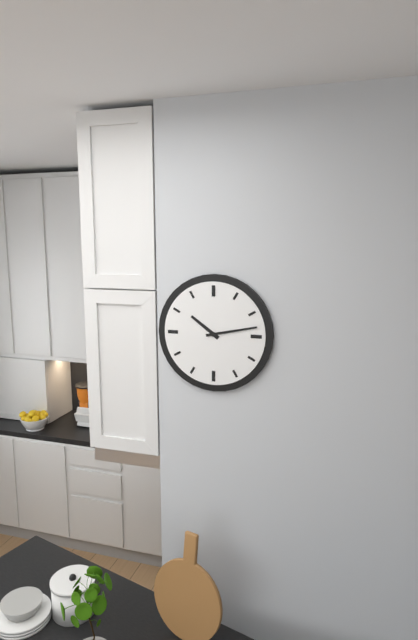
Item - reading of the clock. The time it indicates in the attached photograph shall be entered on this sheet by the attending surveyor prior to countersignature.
10:13
